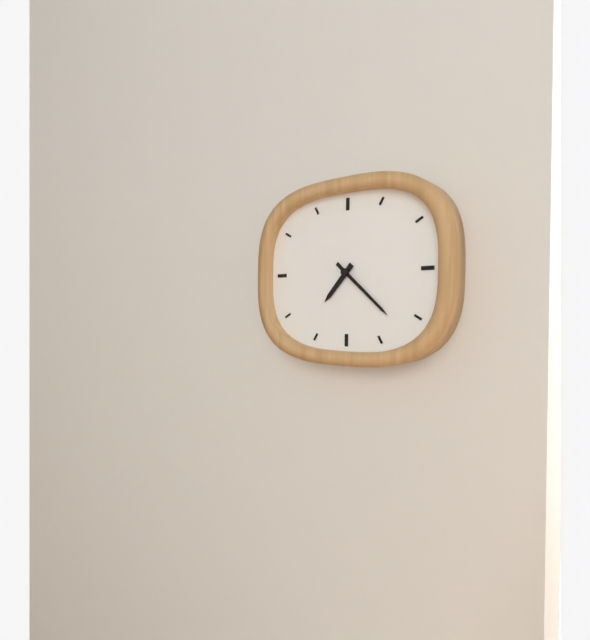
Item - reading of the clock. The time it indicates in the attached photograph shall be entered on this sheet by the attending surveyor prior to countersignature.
7:22
